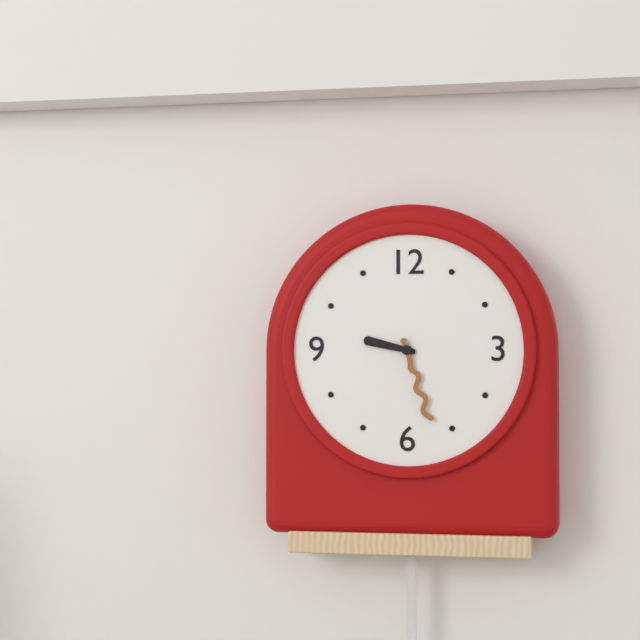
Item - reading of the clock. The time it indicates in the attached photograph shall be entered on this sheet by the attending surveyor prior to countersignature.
9:27
